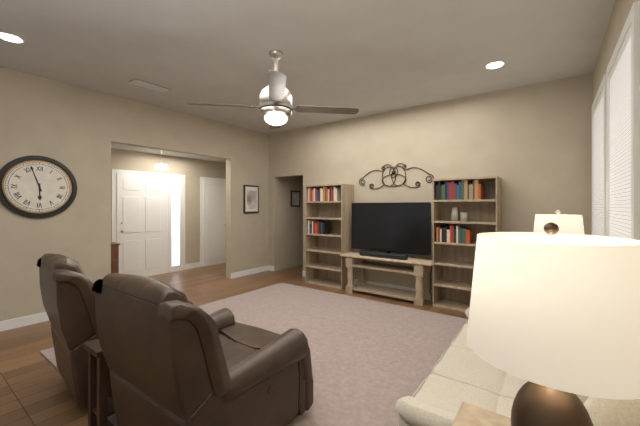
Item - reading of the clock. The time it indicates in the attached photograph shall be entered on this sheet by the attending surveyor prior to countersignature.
5:57
